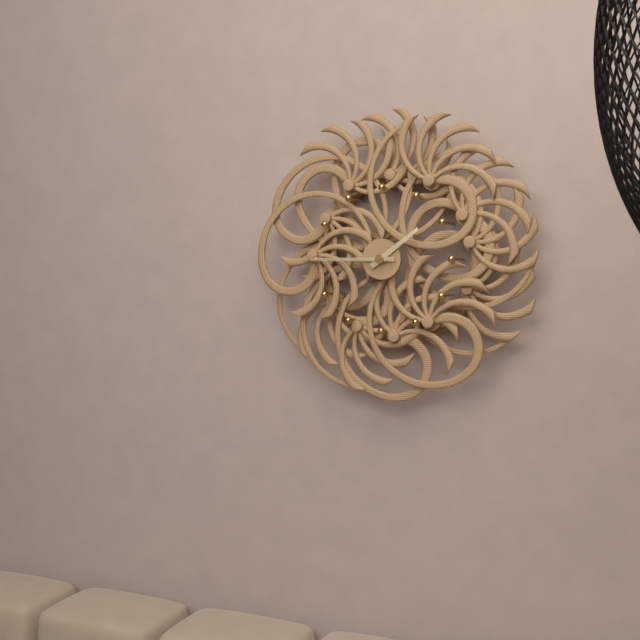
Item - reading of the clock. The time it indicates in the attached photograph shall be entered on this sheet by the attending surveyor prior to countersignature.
1:45
